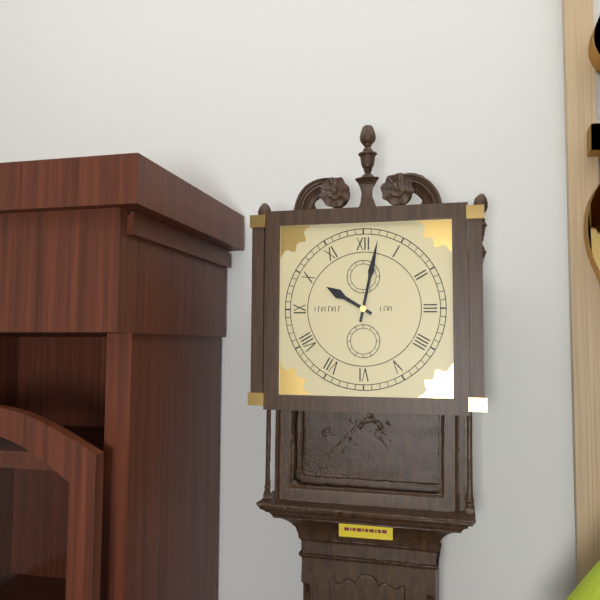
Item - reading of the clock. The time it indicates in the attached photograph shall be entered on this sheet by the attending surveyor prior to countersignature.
10:02
